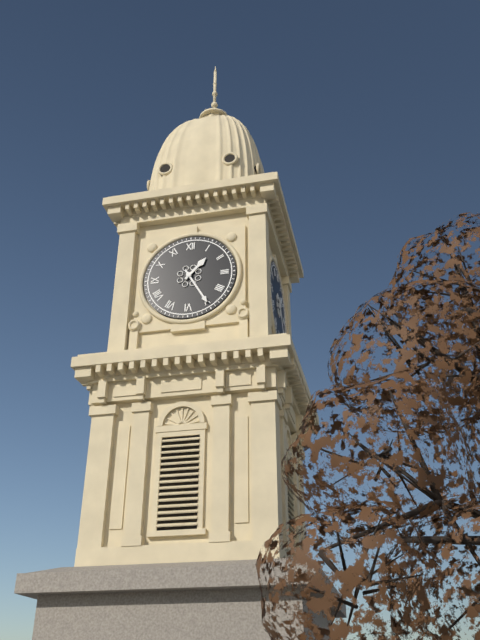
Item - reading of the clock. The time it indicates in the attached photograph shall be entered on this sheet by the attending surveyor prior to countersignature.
1:25
